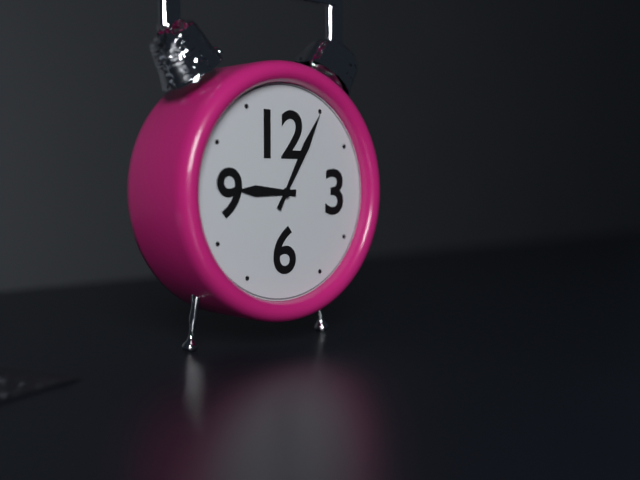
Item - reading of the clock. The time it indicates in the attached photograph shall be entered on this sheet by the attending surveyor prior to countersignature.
9:05
